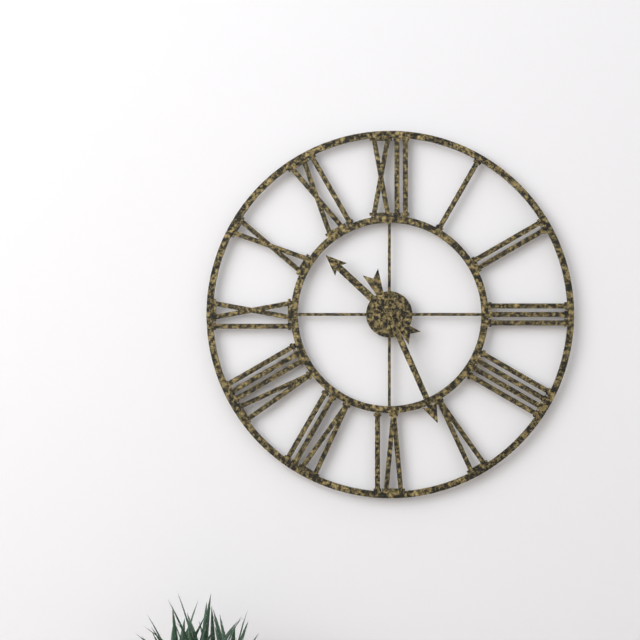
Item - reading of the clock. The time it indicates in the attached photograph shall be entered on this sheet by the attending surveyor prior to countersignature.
10:26
